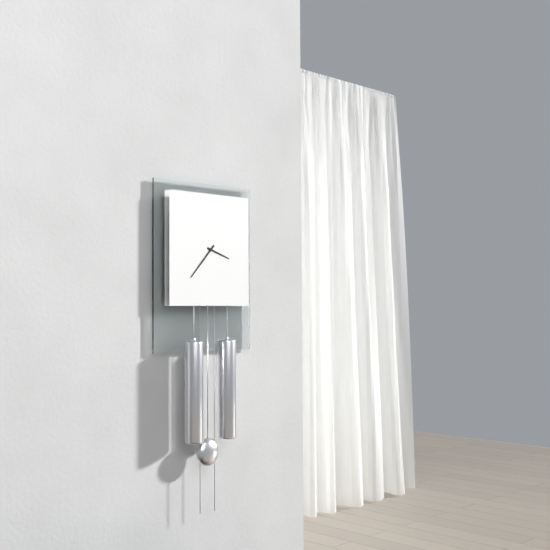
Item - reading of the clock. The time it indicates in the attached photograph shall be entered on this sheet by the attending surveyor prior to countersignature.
3:37
